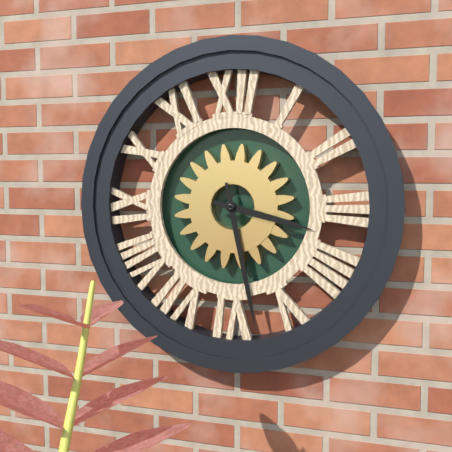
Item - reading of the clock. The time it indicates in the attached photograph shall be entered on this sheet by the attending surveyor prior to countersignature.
3:28
